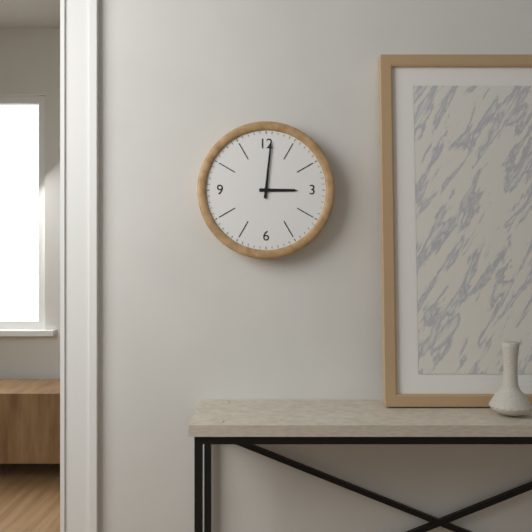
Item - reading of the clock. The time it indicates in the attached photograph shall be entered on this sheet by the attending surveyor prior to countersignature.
3:01
